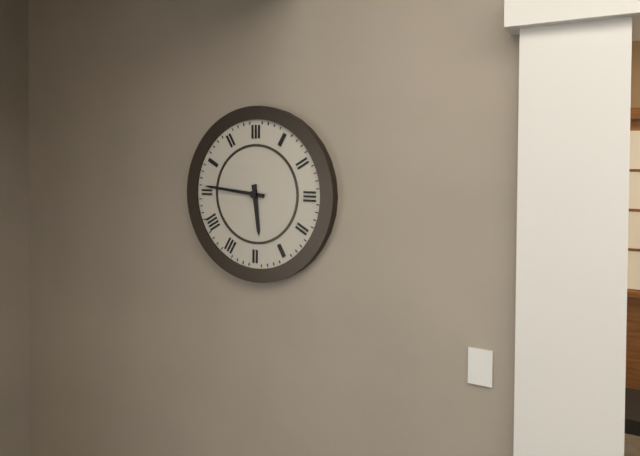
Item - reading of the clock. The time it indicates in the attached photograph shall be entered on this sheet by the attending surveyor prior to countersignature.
5:46
